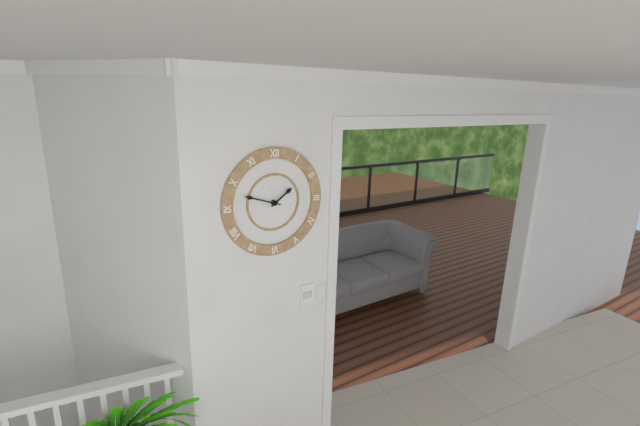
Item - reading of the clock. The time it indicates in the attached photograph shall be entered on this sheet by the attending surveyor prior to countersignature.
1:48
